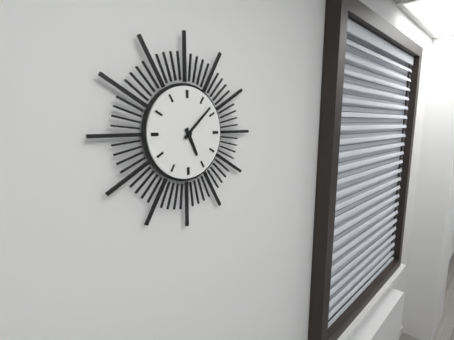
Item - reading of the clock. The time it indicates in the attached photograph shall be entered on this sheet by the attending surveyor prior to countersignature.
5:08
